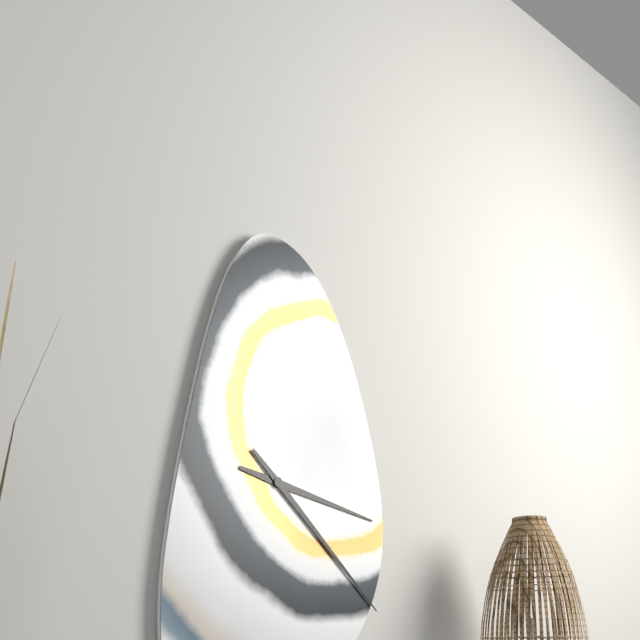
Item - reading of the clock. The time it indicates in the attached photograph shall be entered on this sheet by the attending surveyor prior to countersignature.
3:22
